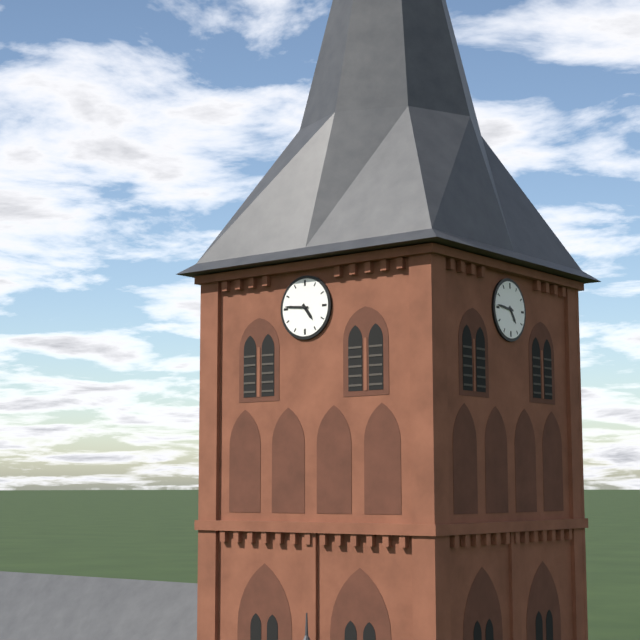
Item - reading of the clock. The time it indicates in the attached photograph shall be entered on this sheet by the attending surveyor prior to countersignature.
4:46
